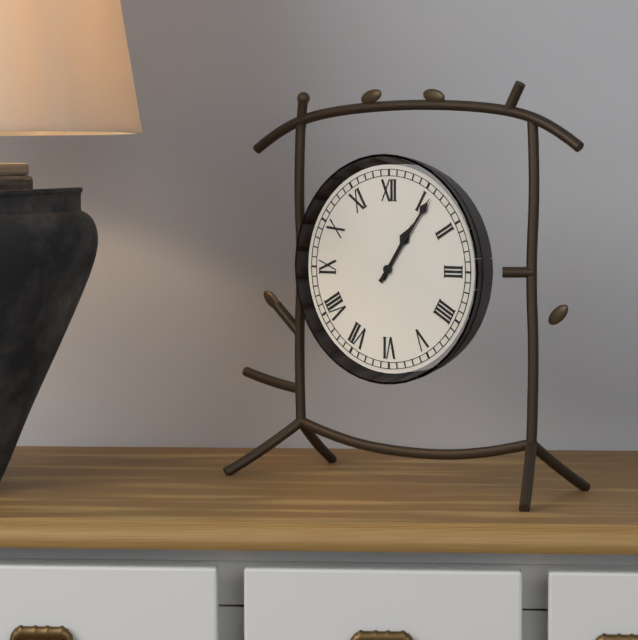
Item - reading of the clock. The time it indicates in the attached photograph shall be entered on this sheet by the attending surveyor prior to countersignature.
1:06
